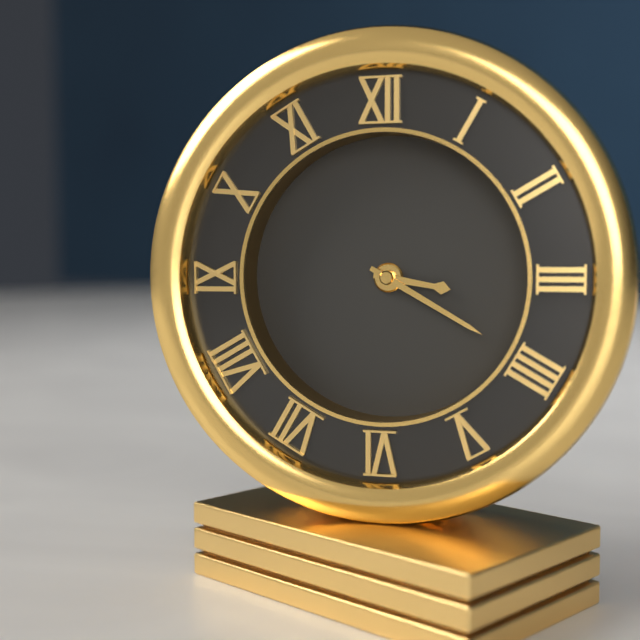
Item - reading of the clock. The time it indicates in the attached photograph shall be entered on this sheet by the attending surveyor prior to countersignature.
3:20
